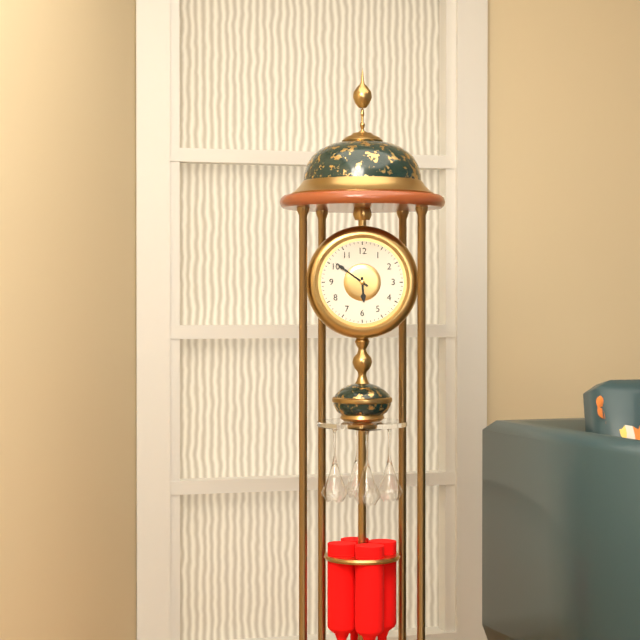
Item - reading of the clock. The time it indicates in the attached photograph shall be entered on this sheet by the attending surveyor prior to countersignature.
5:51
